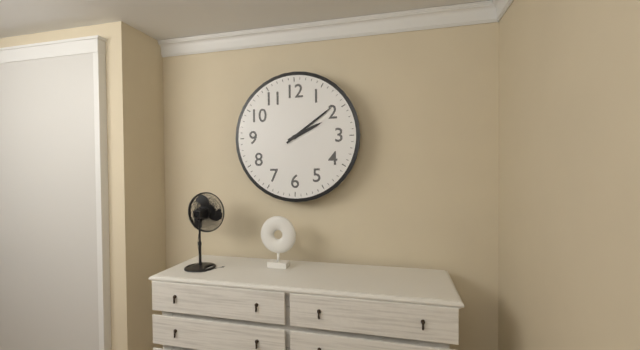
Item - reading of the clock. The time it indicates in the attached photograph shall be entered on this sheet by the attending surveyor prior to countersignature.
2:09
